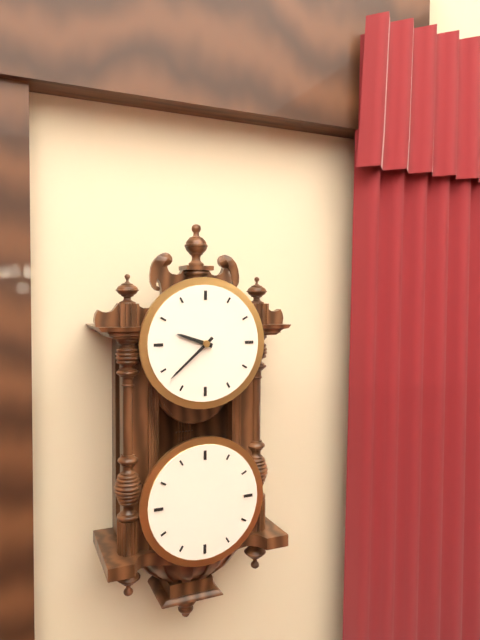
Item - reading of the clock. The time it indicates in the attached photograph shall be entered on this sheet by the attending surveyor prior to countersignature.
9:38
